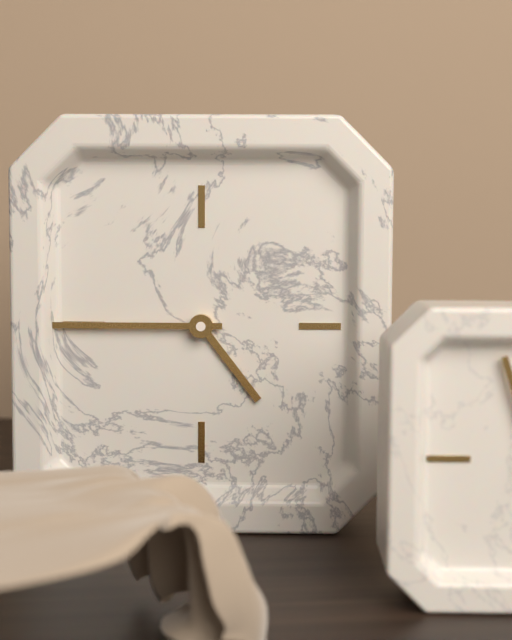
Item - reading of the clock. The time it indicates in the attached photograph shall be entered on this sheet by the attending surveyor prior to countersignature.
4:45
